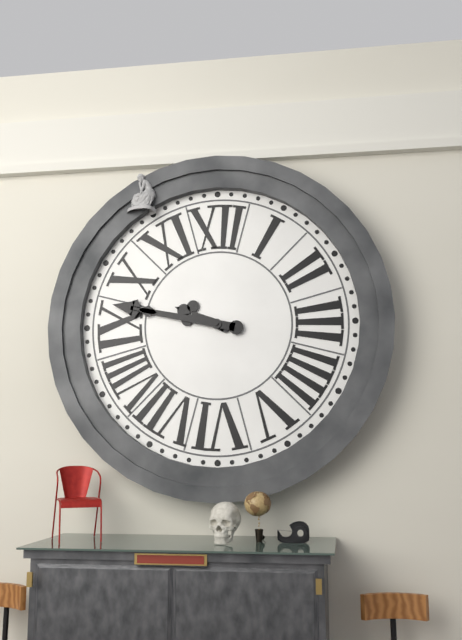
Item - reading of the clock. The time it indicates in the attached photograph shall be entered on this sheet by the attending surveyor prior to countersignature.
9:47
